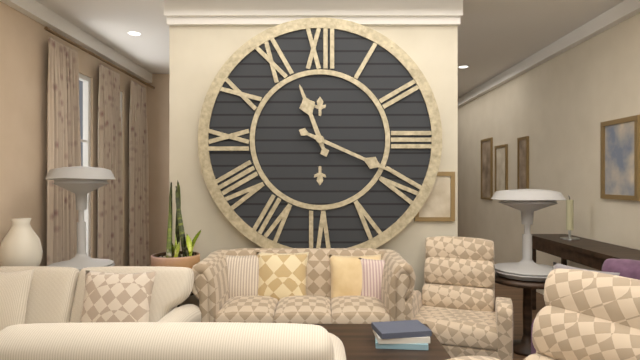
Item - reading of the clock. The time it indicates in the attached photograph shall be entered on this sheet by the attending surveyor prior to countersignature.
11:19
